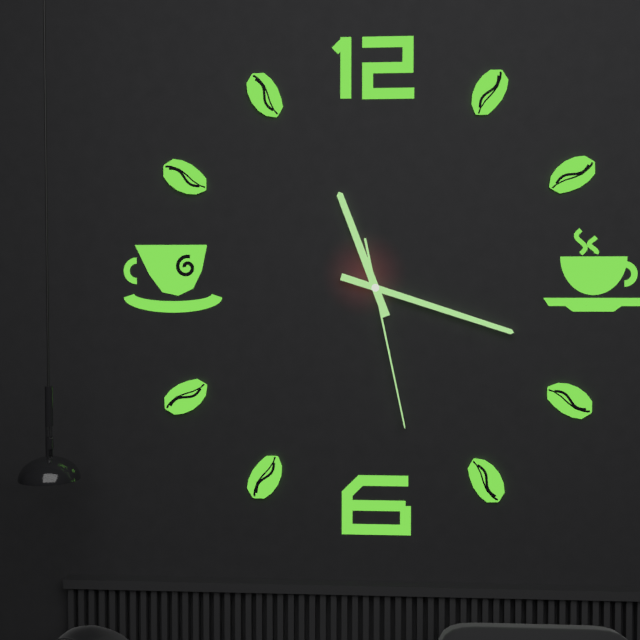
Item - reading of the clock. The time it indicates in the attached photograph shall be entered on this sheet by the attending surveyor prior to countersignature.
11:18:28
